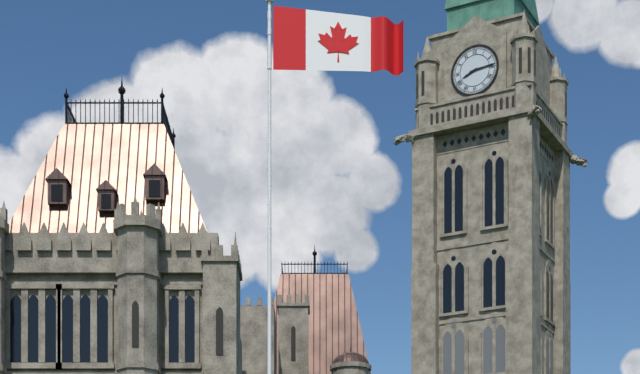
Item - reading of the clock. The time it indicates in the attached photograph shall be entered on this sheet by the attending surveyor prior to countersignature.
8:14
